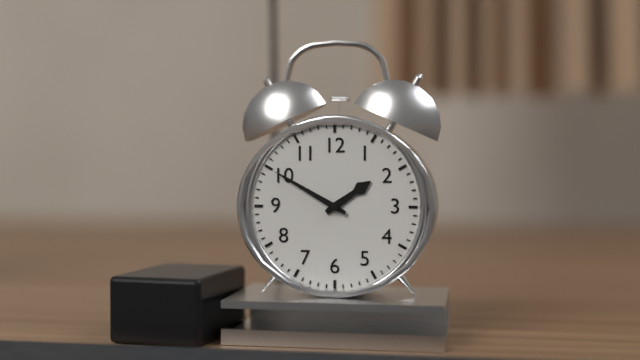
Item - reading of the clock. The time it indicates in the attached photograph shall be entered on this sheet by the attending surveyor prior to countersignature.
1:50
